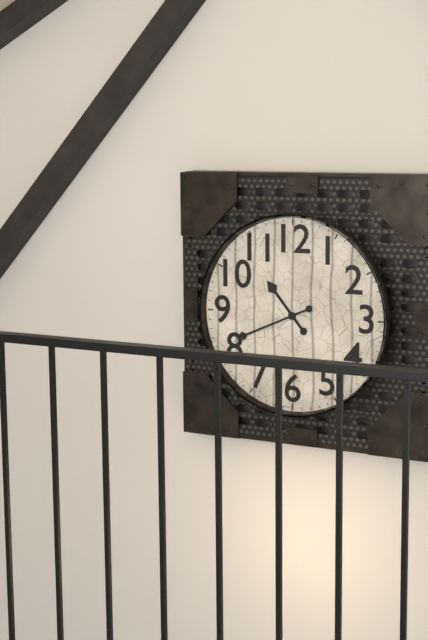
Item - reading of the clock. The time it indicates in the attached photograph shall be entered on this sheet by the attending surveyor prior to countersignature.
10:41
